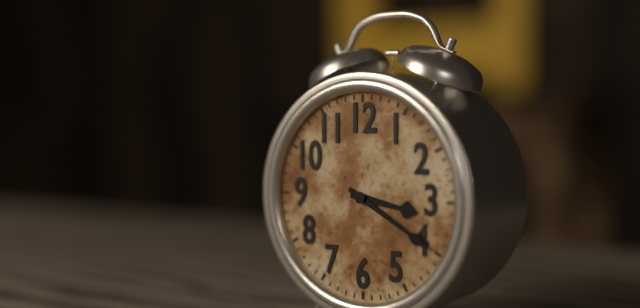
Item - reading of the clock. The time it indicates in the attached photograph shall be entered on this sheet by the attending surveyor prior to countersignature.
3:20
